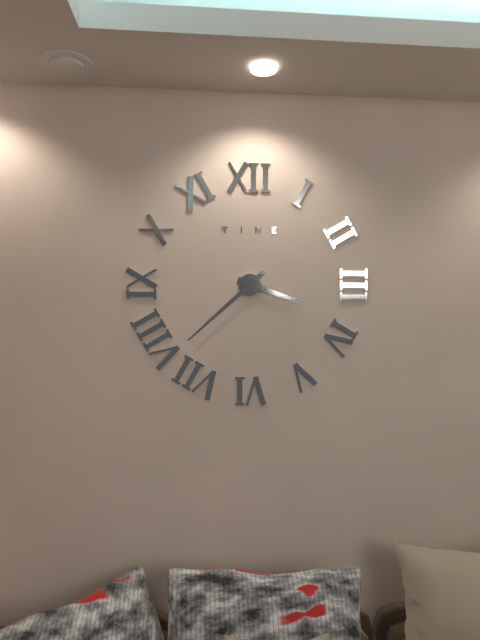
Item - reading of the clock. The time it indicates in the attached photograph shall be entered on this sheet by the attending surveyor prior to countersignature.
3:38
